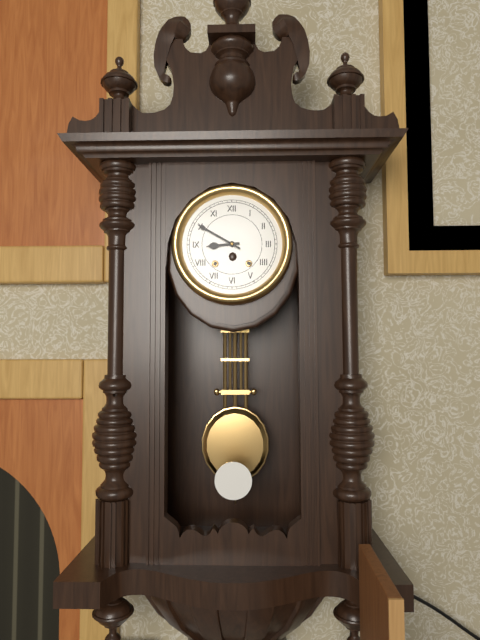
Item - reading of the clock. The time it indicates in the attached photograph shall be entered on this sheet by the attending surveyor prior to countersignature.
8:50
